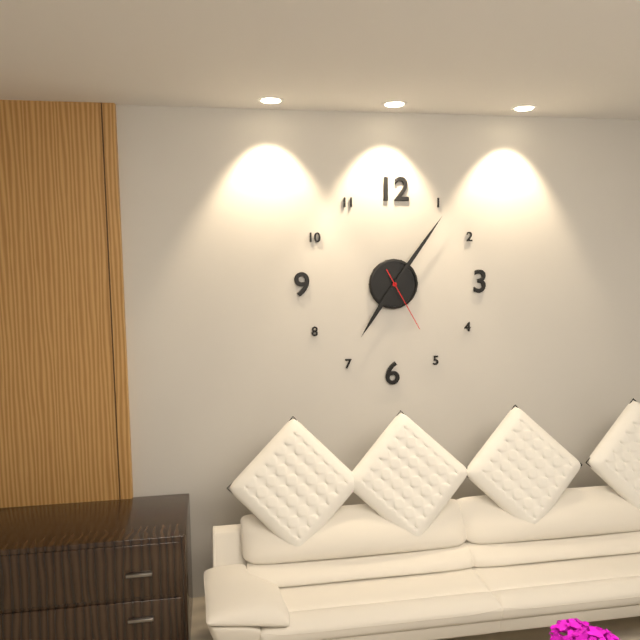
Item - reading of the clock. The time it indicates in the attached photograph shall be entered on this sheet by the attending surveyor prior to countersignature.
7:06:25
